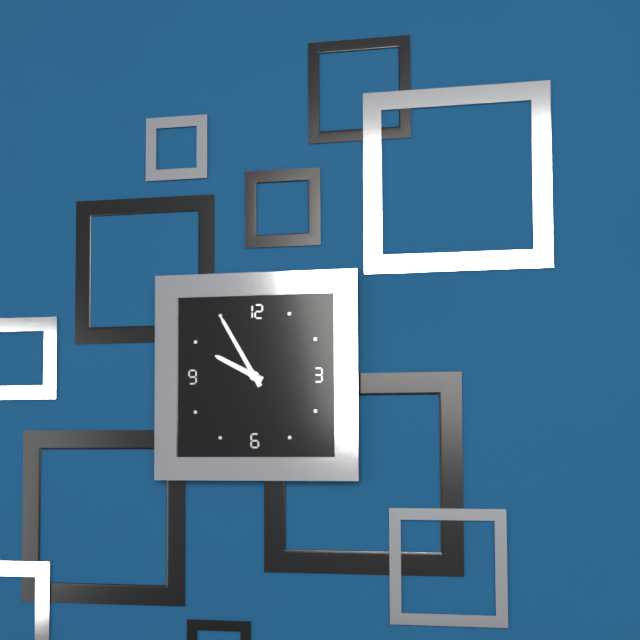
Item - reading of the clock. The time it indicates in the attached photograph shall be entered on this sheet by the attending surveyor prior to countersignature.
9:55
